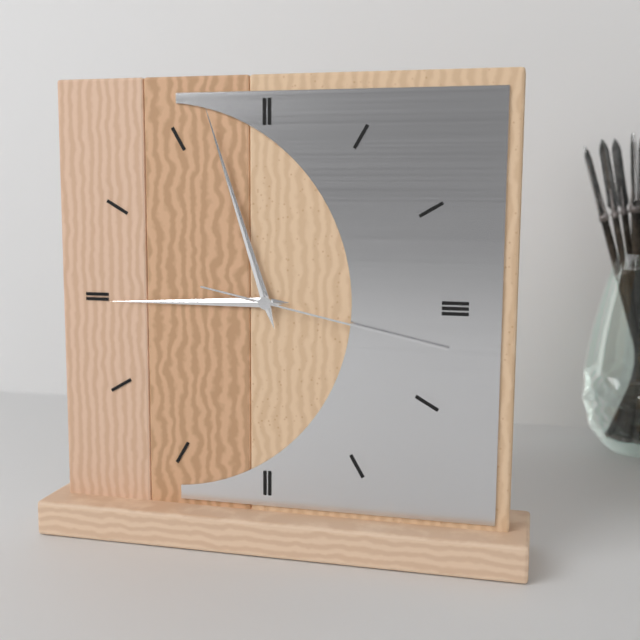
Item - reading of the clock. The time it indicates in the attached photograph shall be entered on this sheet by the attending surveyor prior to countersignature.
8:57:17
